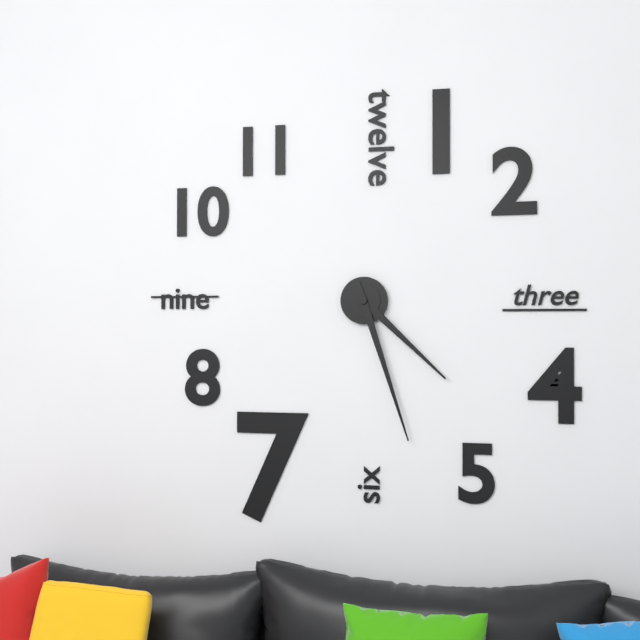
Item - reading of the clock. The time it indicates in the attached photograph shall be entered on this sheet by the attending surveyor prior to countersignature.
4:27
